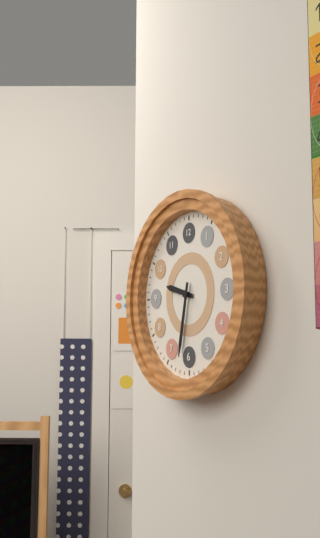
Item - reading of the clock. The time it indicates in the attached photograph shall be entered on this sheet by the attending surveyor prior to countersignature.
9:32
